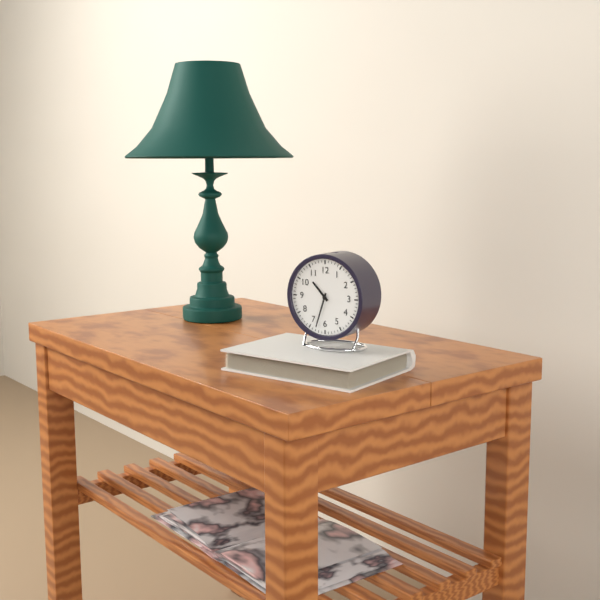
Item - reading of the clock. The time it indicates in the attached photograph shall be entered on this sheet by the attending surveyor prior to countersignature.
10:33
